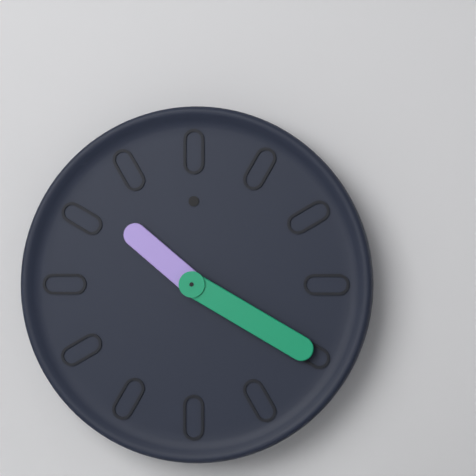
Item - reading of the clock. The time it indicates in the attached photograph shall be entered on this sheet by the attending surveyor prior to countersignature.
10:20
